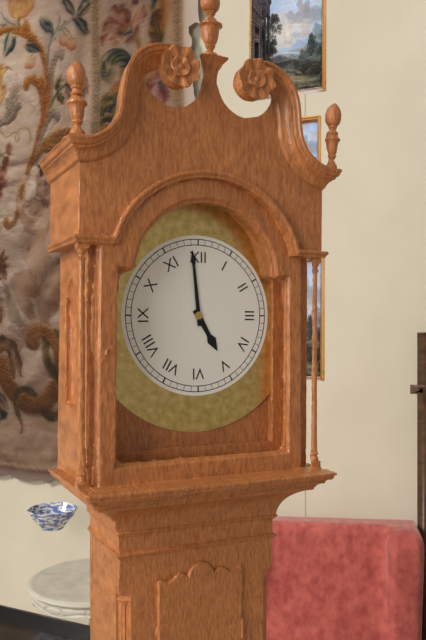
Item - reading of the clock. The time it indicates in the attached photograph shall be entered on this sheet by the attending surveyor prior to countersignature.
4:59
